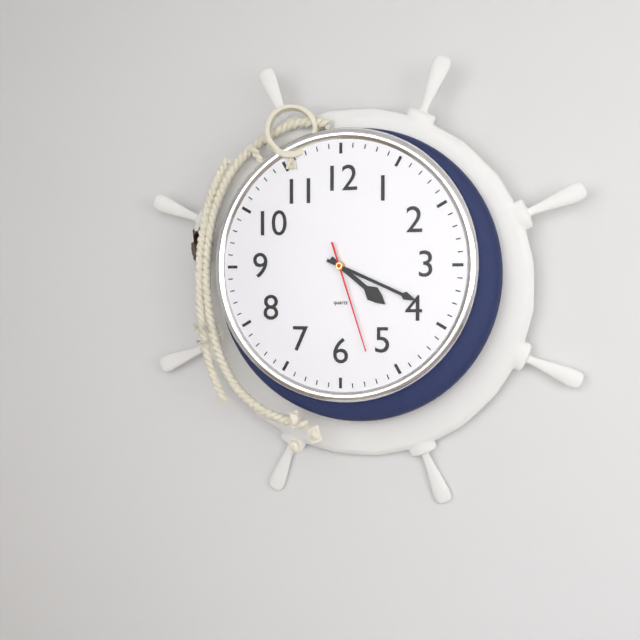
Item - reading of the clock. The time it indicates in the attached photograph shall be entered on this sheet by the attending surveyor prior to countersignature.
4:19:27
